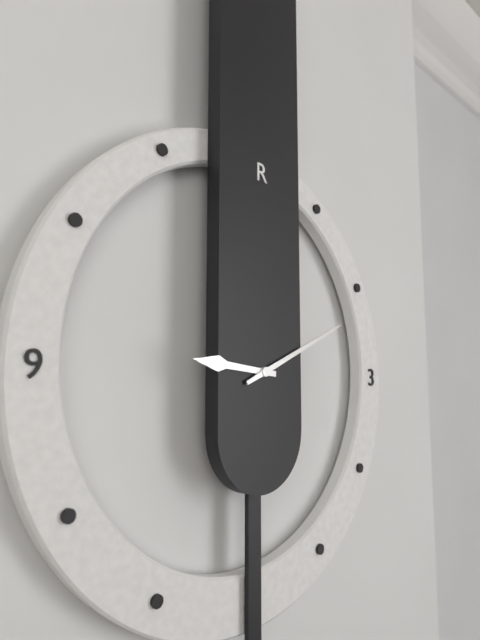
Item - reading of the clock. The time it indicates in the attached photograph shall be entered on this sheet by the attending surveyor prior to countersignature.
9:11
